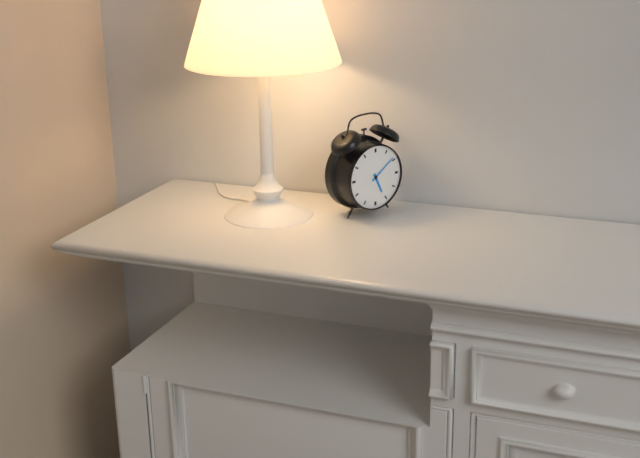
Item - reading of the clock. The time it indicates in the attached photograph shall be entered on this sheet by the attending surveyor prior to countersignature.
5:09
